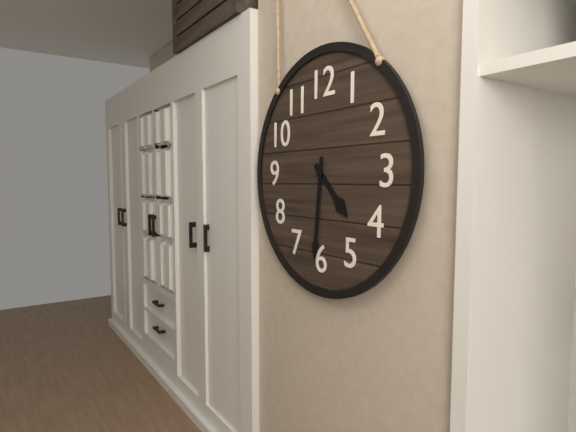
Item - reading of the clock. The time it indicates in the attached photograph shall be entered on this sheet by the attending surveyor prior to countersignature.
4:31
